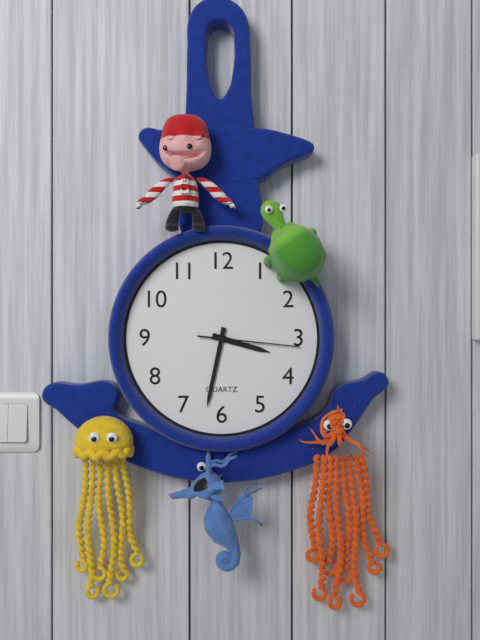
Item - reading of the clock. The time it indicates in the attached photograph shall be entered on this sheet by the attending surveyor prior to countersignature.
3:32:16
